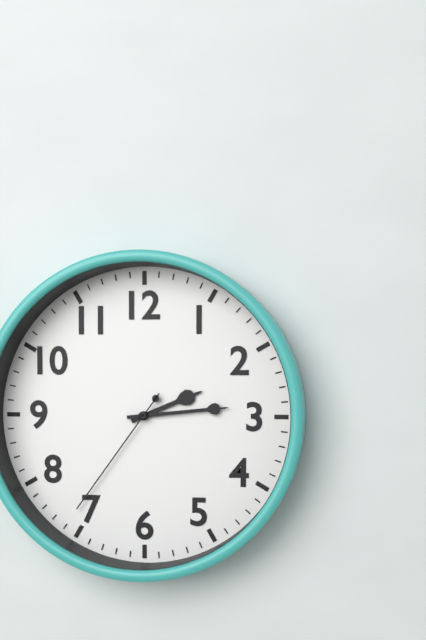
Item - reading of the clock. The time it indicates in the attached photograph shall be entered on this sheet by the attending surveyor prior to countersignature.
2:14:36
